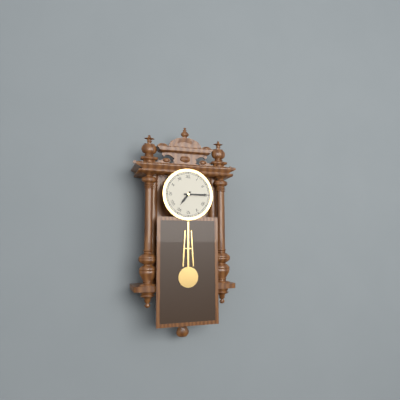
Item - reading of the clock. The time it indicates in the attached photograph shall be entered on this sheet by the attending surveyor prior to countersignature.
7:15
